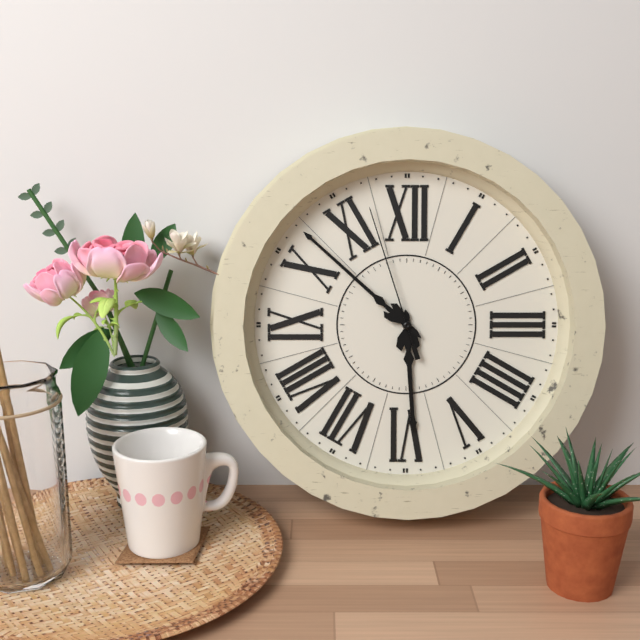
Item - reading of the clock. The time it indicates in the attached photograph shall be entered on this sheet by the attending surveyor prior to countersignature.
5:52:57
